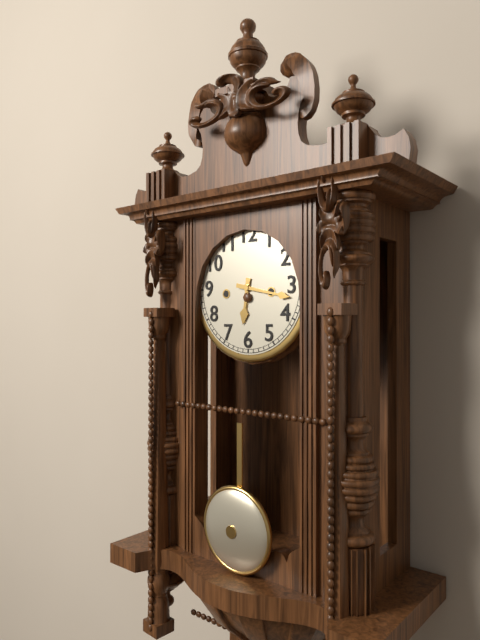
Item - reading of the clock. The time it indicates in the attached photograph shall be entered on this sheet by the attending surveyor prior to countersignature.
6:17
